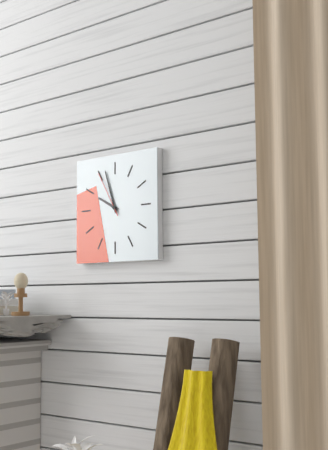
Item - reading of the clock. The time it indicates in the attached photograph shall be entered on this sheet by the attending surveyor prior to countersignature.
9:57
